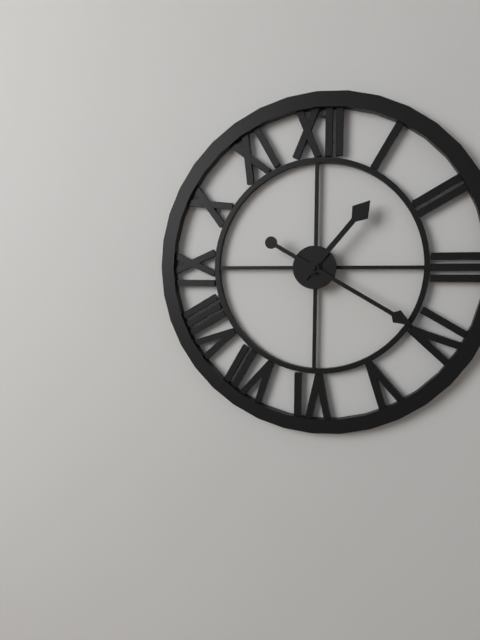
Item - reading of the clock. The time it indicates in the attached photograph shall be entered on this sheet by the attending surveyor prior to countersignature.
1:20
